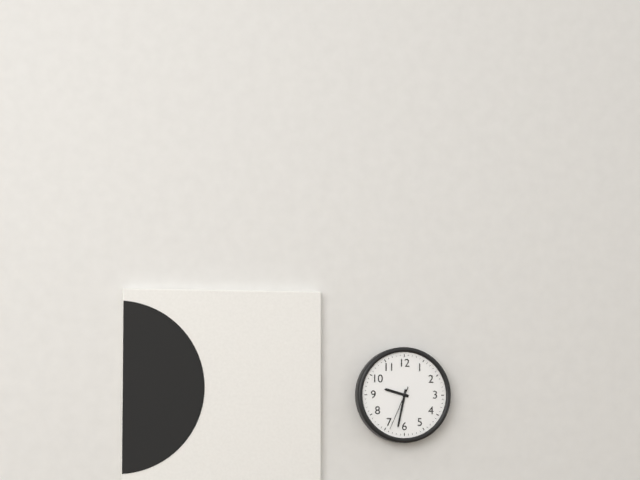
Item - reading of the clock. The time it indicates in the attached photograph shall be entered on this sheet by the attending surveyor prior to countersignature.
9:32
